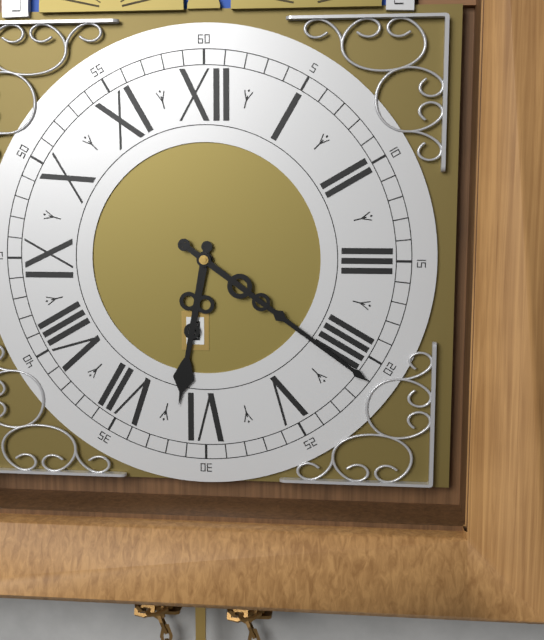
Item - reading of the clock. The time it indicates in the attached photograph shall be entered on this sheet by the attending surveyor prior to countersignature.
6:21
